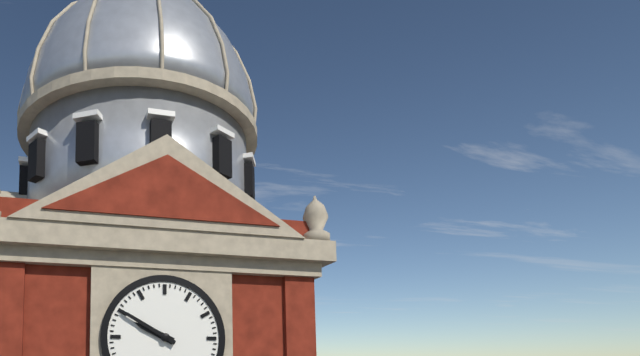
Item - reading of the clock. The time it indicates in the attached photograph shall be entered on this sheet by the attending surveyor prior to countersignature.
9:50
